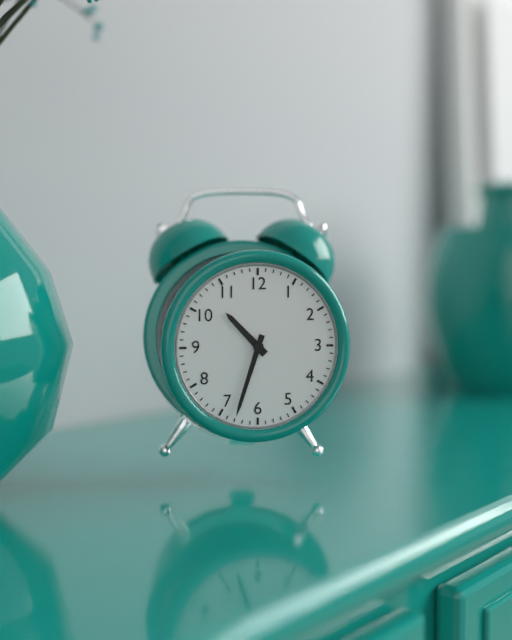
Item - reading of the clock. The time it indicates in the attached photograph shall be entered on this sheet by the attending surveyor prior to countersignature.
10:33
